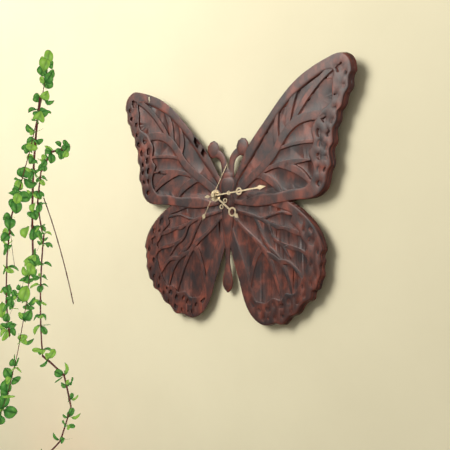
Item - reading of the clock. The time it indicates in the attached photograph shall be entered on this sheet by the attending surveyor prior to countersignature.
4:14
